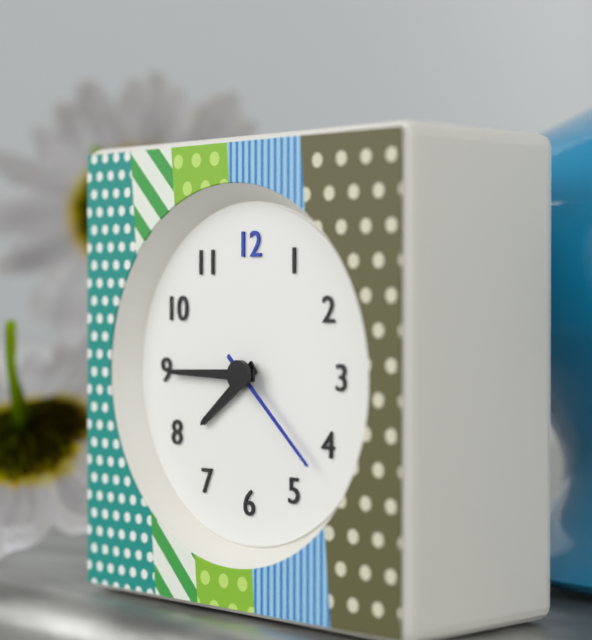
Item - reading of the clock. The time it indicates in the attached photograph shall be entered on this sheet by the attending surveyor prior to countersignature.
7:45:22
